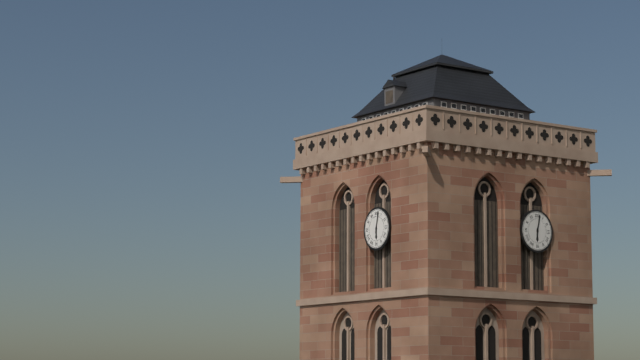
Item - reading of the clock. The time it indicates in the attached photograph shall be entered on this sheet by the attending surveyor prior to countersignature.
6:02
